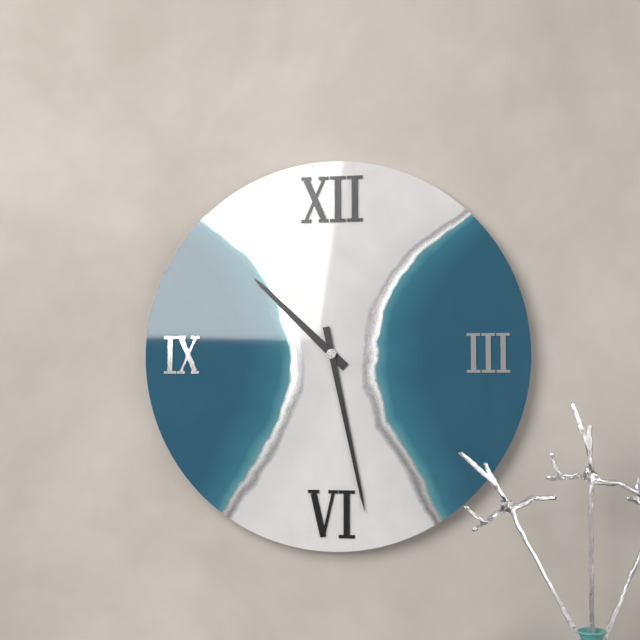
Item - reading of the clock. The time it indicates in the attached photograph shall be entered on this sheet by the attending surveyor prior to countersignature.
10:28
